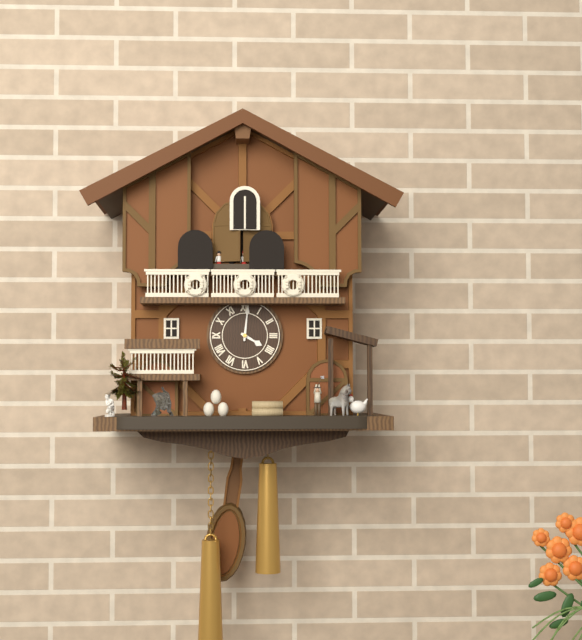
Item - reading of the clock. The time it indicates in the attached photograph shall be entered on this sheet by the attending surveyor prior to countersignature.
4:01
